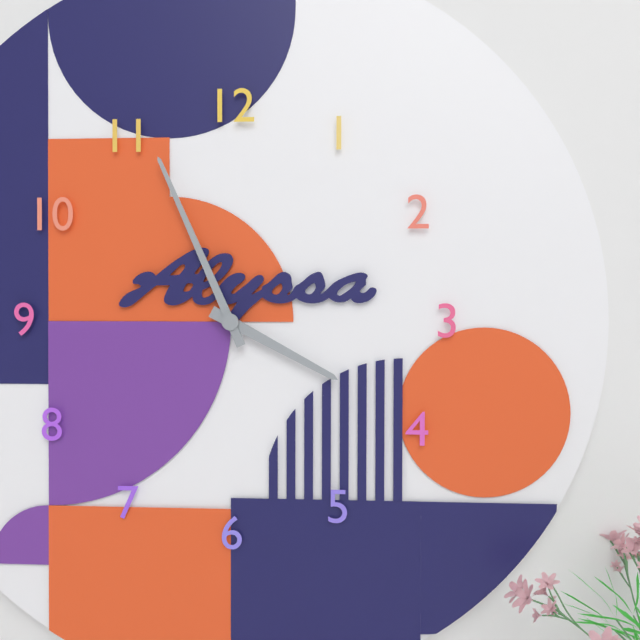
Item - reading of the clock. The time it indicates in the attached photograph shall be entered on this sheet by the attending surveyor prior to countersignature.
3:56
